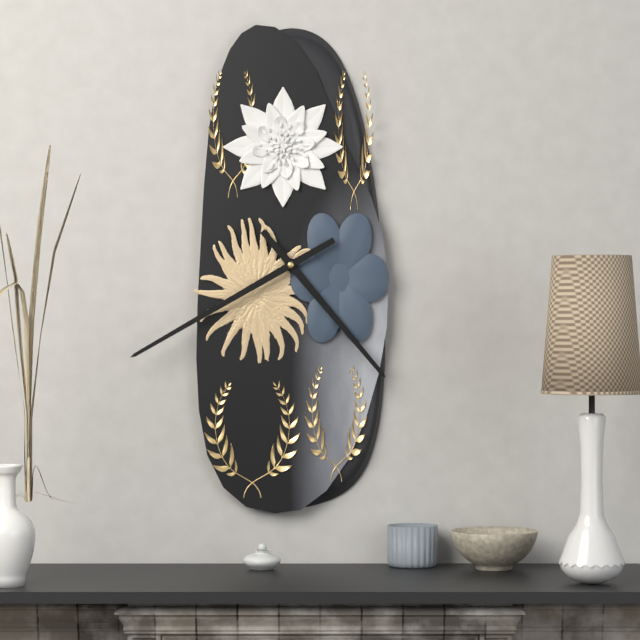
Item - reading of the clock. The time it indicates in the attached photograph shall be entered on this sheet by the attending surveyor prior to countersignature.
4:40
